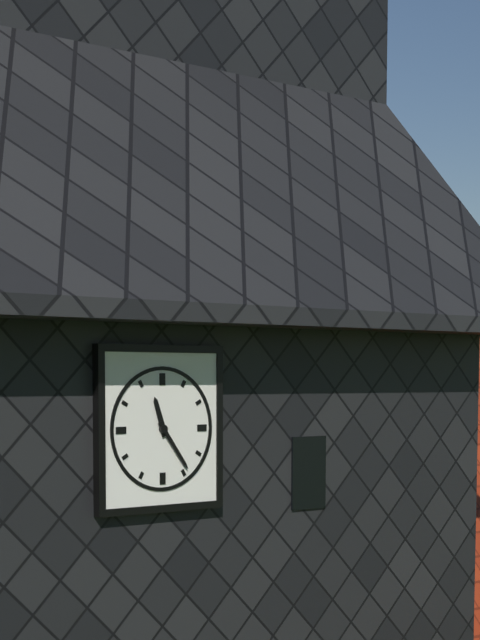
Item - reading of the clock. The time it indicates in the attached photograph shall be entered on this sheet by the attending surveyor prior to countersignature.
11:24
